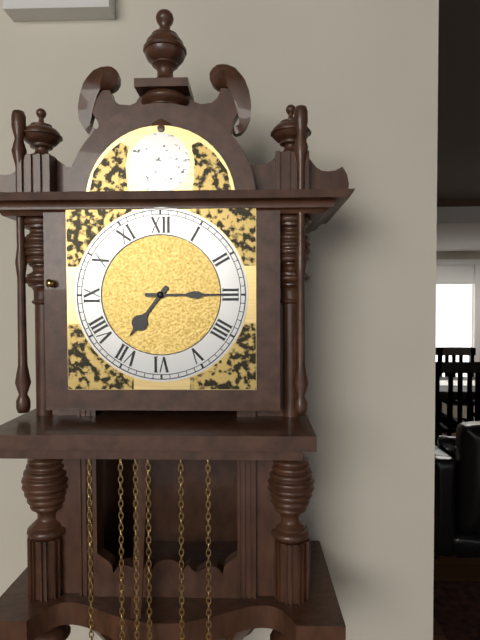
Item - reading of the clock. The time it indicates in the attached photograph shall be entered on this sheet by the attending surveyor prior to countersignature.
7:15
